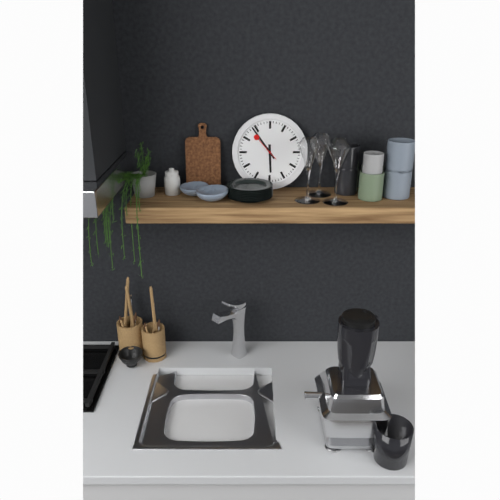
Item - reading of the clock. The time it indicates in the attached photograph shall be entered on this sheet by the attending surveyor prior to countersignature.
5:54
